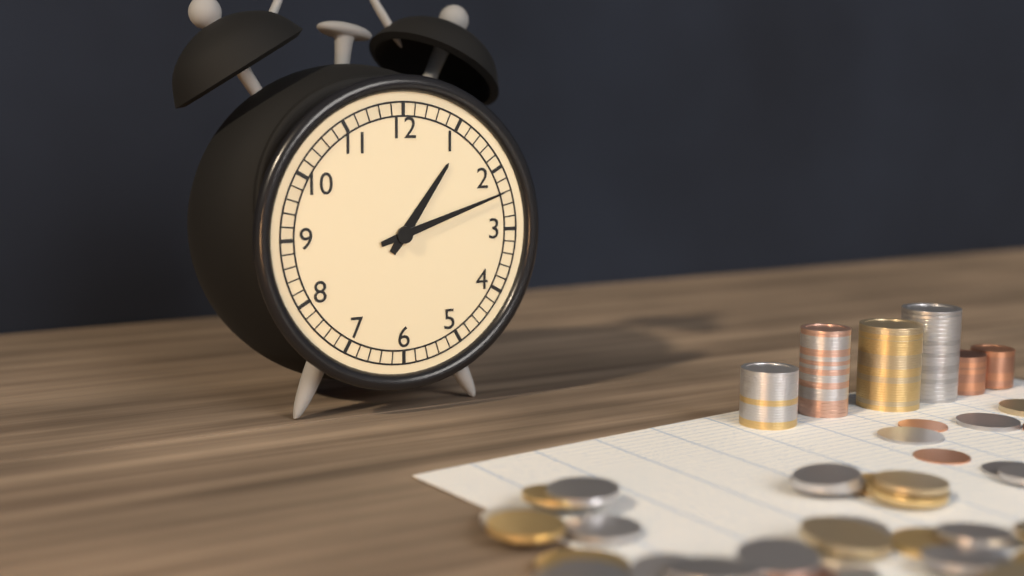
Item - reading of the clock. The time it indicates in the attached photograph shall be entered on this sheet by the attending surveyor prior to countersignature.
1:12
